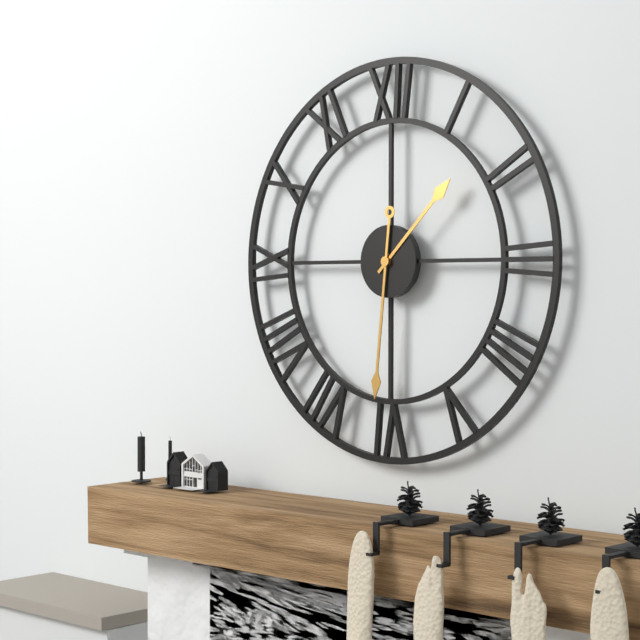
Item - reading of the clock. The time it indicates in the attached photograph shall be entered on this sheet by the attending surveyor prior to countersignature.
1:31
